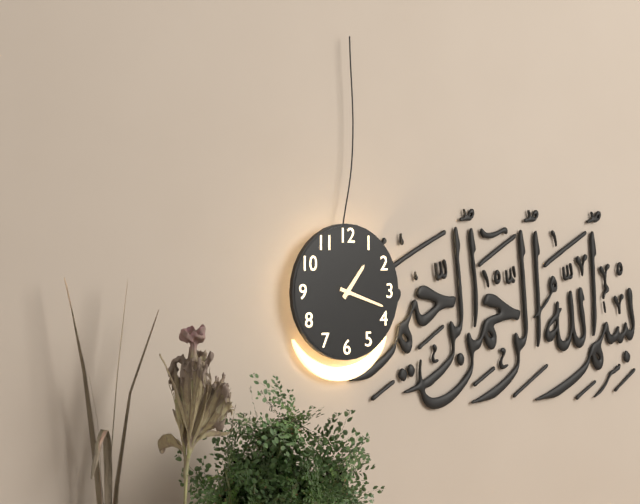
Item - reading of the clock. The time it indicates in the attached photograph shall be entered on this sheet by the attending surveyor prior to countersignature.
1:18
